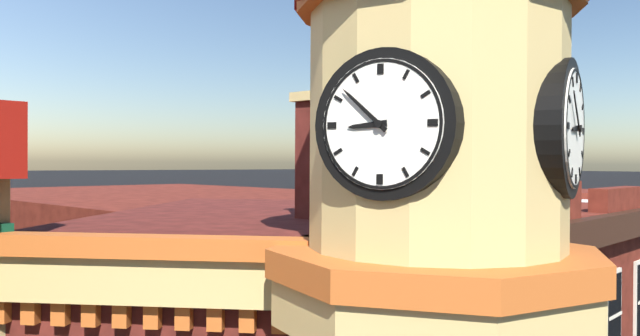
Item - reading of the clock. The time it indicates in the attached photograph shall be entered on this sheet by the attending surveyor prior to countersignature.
8:52
